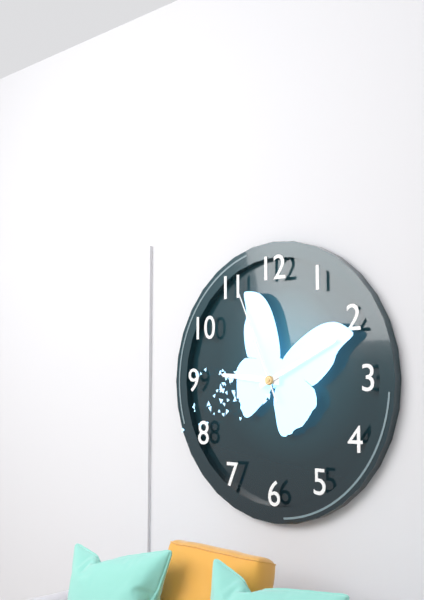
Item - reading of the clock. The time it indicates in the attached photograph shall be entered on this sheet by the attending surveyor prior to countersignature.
9:11:56
